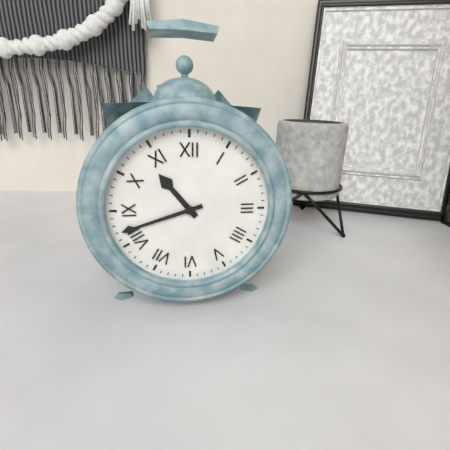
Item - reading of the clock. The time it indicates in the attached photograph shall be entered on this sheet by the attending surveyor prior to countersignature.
10:42
